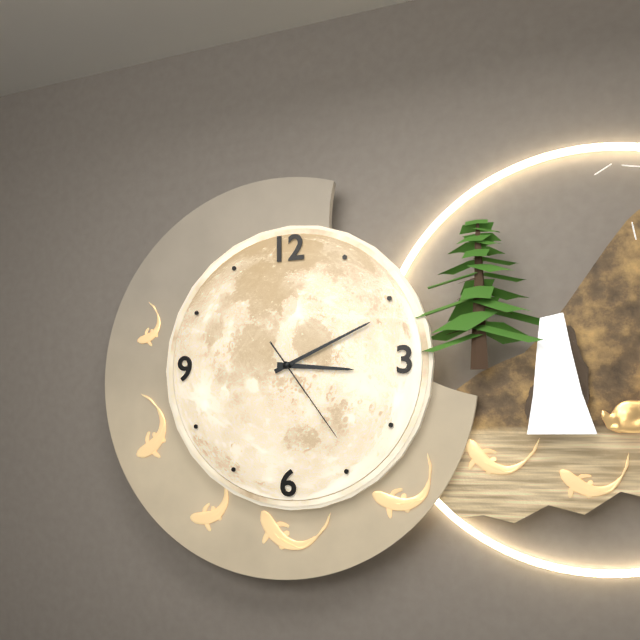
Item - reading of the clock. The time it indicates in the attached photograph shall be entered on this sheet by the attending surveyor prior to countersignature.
3:11:24
